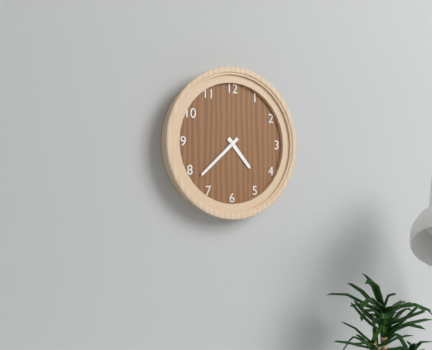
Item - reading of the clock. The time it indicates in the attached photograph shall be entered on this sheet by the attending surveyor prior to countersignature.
4:38
